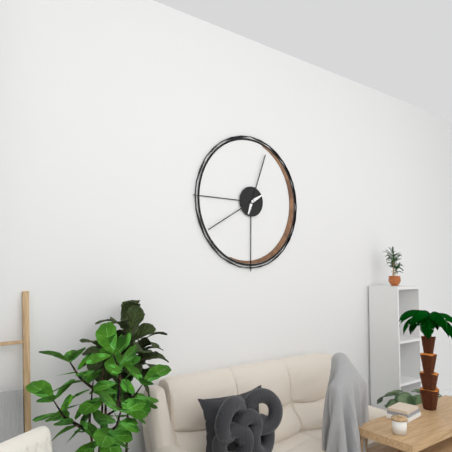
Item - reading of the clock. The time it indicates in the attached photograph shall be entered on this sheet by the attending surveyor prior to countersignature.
12:40
